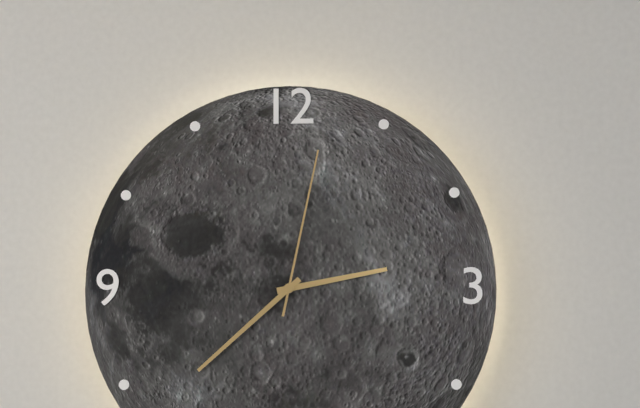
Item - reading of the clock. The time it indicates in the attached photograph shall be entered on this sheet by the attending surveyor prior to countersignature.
2:38:02
